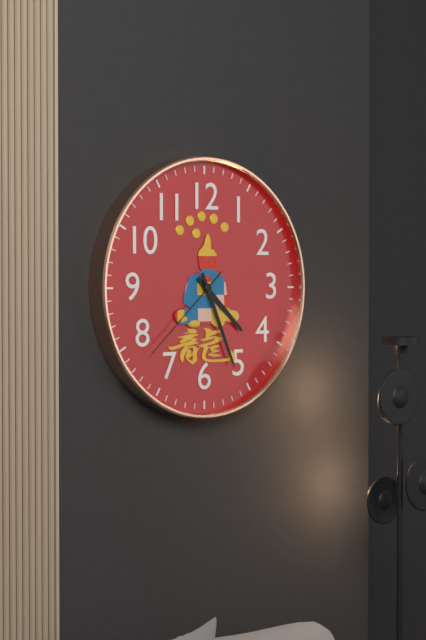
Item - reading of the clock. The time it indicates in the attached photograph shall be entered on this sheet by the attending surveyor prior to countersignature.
4:26:38
